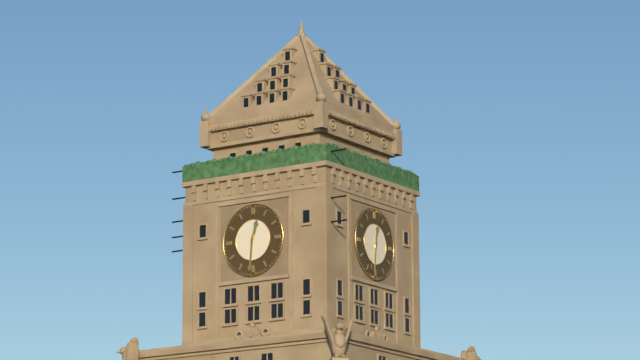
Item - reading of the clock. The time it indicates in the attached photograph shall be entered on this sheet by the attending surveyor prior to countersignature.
12:31
